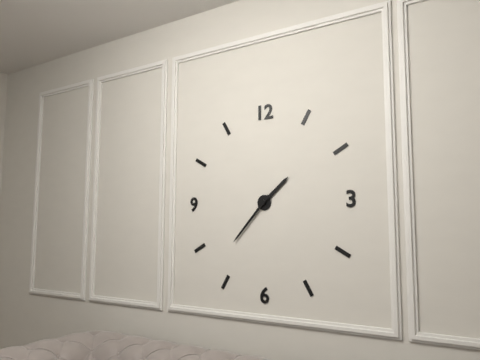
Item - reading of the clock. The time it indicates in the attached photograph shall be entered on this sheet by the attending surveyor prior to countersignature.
1:37
